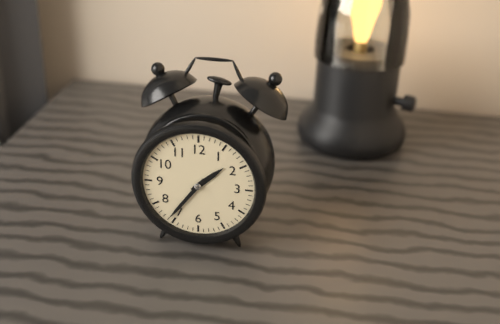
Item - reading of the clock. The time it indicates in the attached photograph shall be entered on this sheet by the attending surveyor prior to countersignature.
1:36
